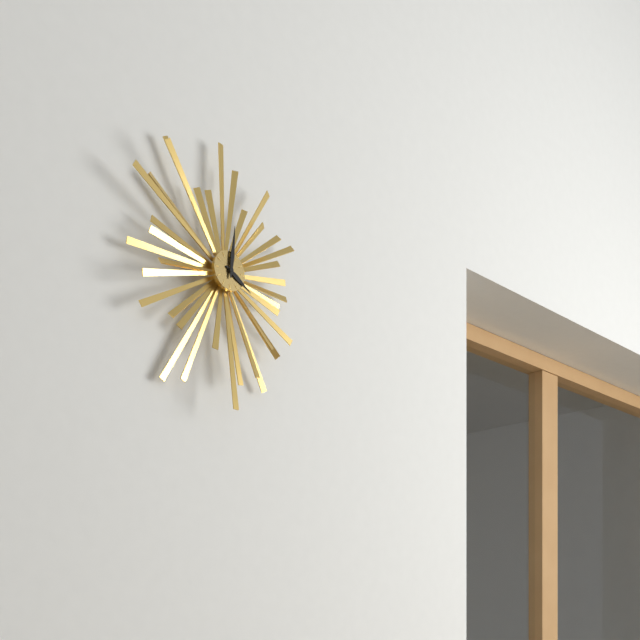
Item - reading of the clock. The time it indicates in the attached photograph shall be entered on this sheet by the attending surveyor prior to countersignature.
4:01
